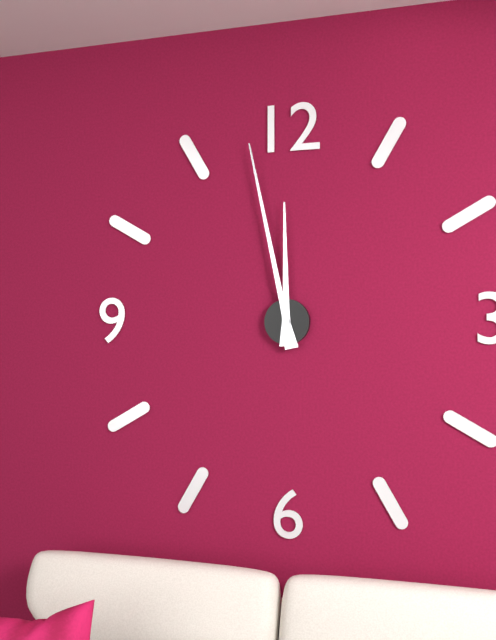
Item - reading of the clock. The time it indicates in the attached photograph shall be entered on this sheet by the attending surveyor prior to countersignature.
11:58
